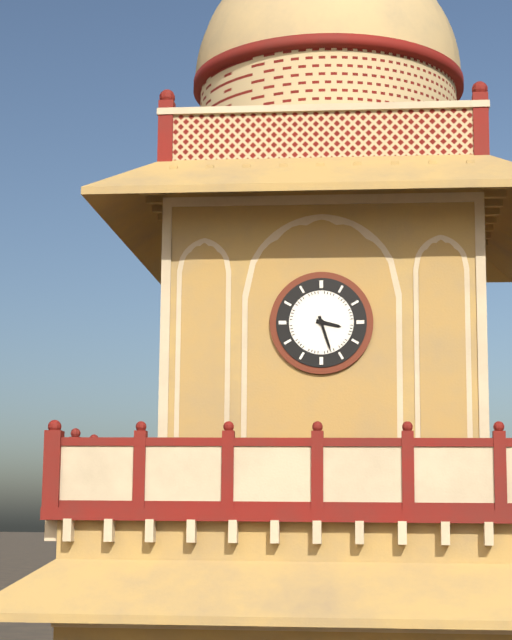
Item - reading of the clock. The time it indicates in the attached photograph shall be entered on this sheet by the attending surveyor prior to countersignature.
3:27
